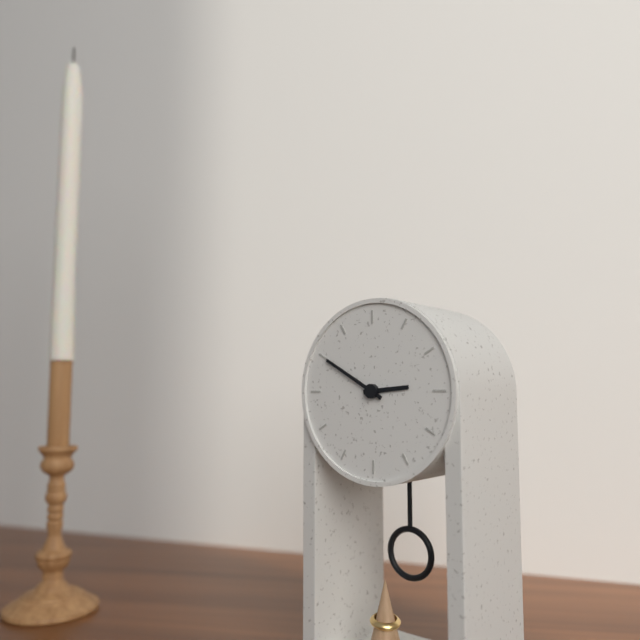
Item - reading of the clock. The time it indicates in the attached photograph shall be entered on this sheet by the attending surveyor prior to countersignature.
2:50
